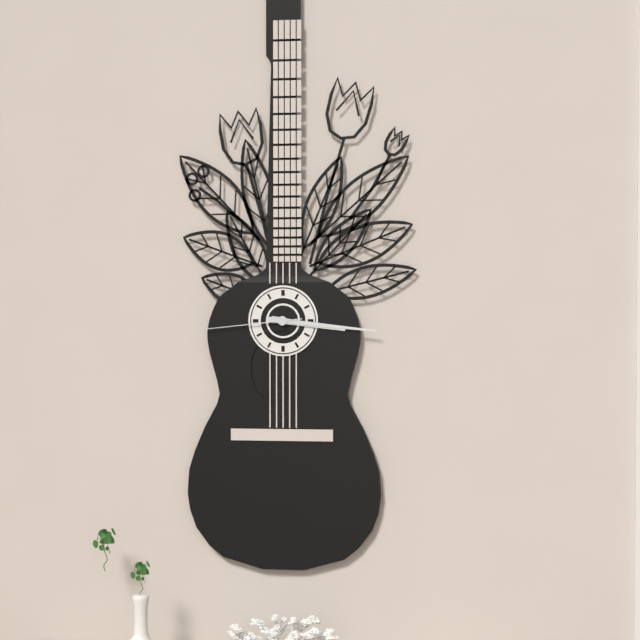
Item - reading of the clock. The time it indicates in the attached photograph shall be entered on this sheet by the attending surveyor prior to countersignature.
3:16:44
